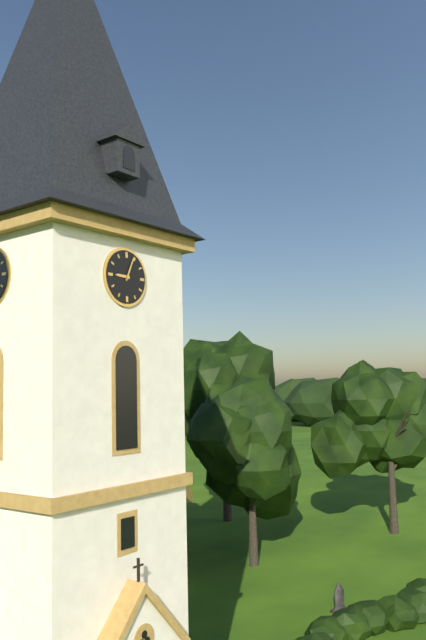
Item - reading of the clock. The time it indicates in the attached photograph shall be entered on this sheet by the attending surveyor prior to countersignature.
9:04
